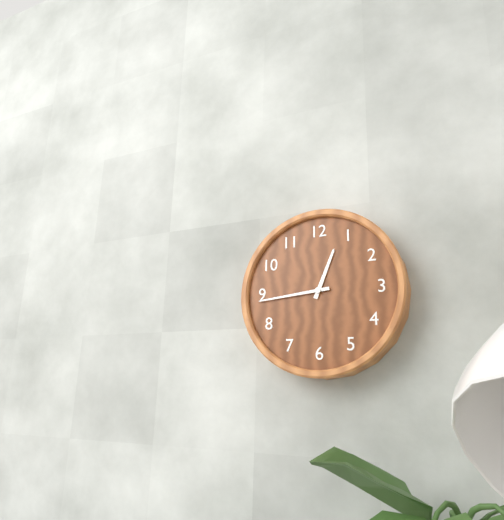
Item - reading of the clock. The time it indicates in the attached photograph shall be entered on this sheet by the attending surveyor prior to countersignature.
12:44
